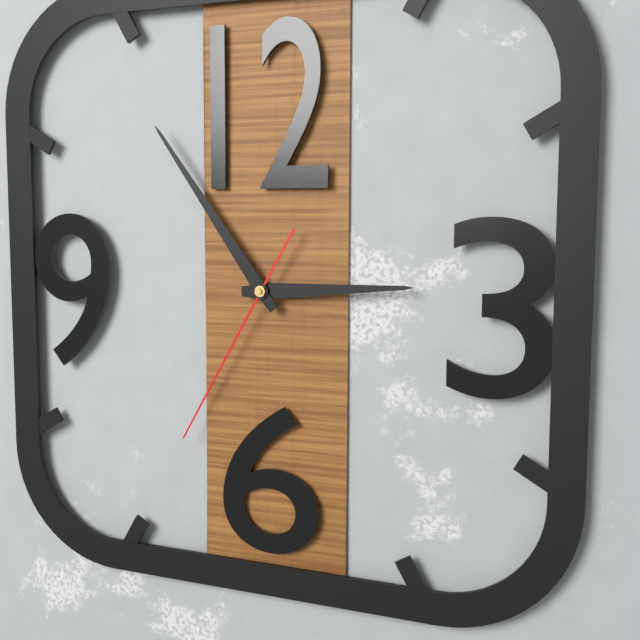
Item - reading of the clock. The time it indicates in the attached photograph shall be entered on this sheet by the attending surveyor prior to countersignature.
2:54:35
